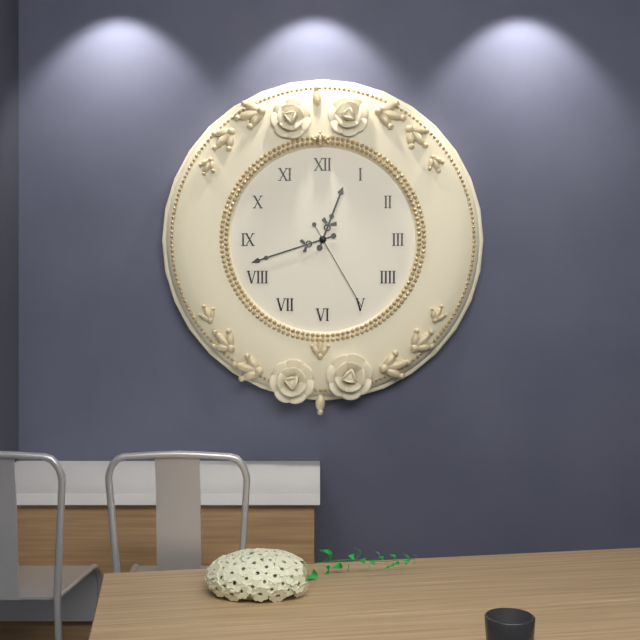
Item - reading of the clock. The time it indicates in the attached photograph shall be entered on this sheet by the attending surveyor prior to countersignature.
12:42:25
